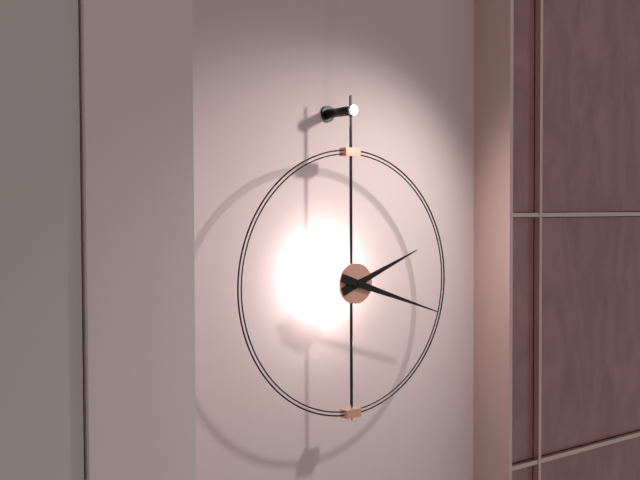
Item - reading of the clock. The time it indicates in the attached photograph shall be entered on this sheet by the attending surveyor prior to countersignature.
2:18
